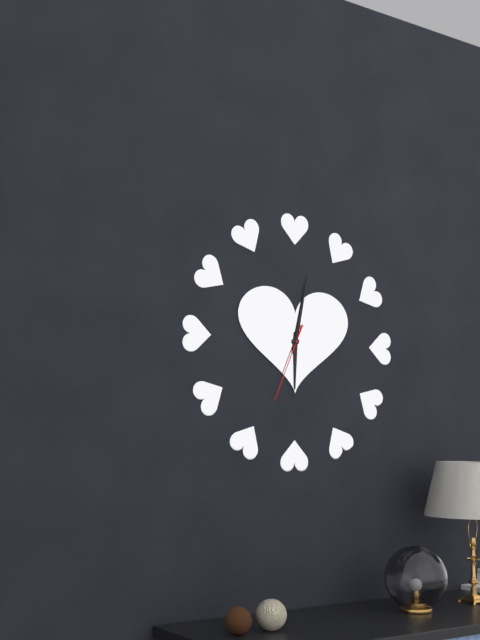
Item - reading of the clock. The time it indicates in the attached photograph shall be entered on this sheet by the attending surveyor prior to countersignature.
6:02:34
